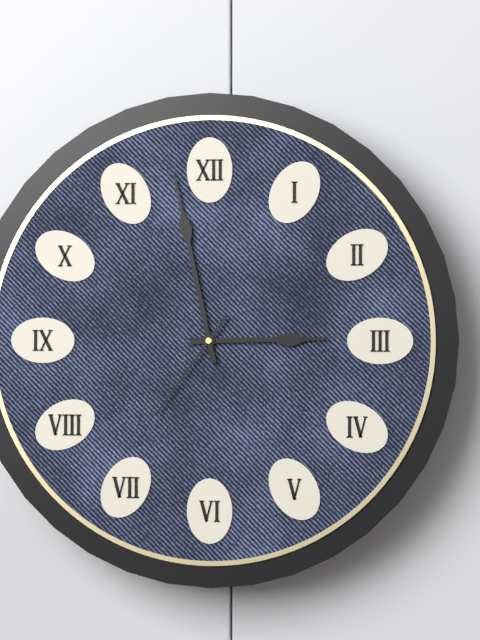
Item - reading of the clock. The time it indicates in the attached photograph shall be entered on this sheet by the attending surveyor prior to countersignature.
2:58:36
